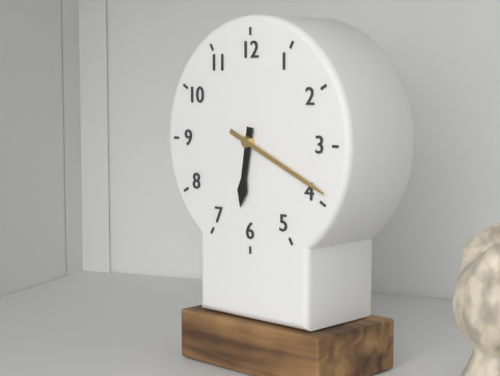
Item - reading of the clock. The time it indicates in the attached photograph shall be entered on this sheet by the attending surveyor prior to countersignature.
6:19
